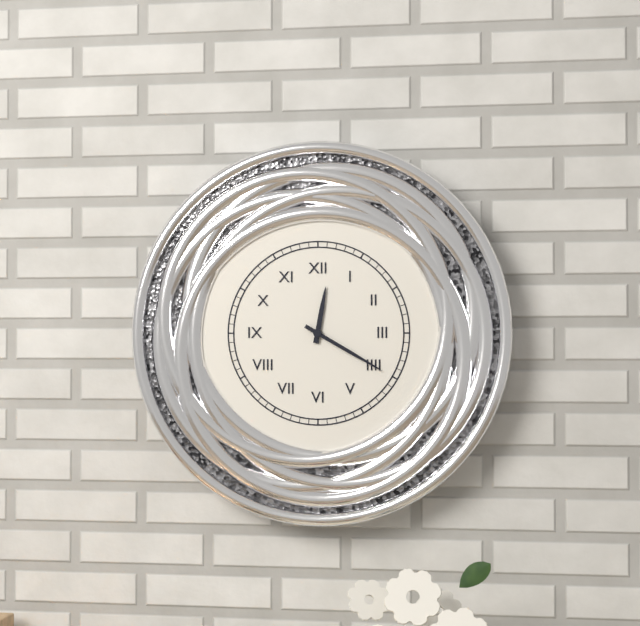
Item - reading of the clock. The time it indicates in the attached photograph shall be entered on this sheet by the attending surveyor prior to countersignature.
12:20
